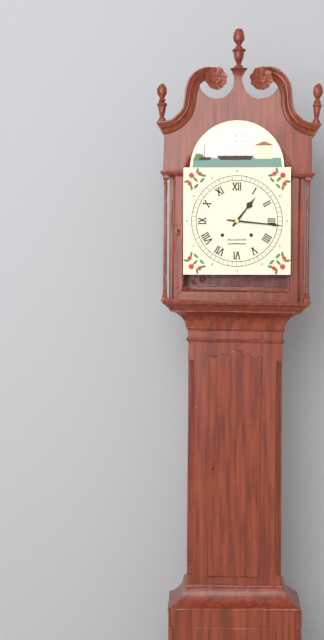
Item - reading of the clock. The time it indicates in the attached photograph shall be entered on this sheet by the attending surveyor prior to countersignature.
1:16
